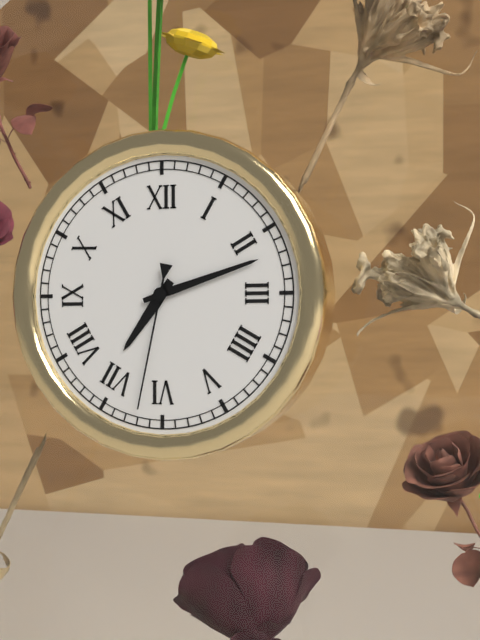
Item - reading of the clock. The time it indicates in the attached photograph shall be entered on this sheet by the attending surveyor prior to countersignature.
7:12:32
